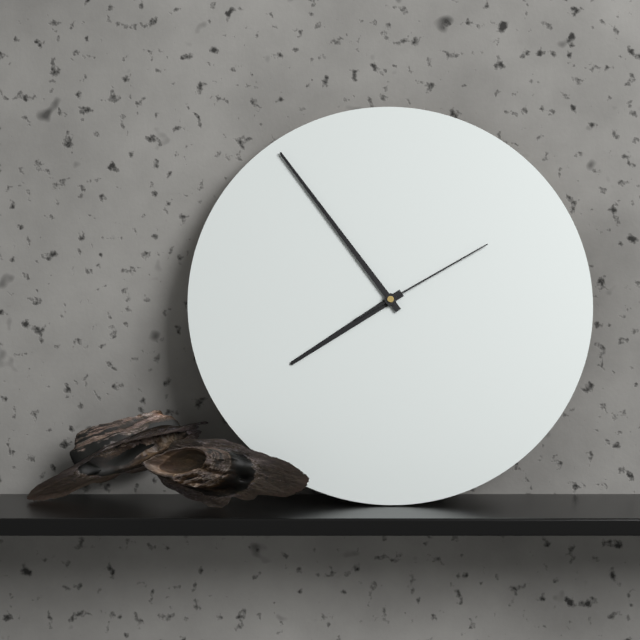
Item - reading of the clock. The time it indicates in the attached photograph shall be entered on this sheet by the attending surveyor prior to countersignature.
7:54:10
